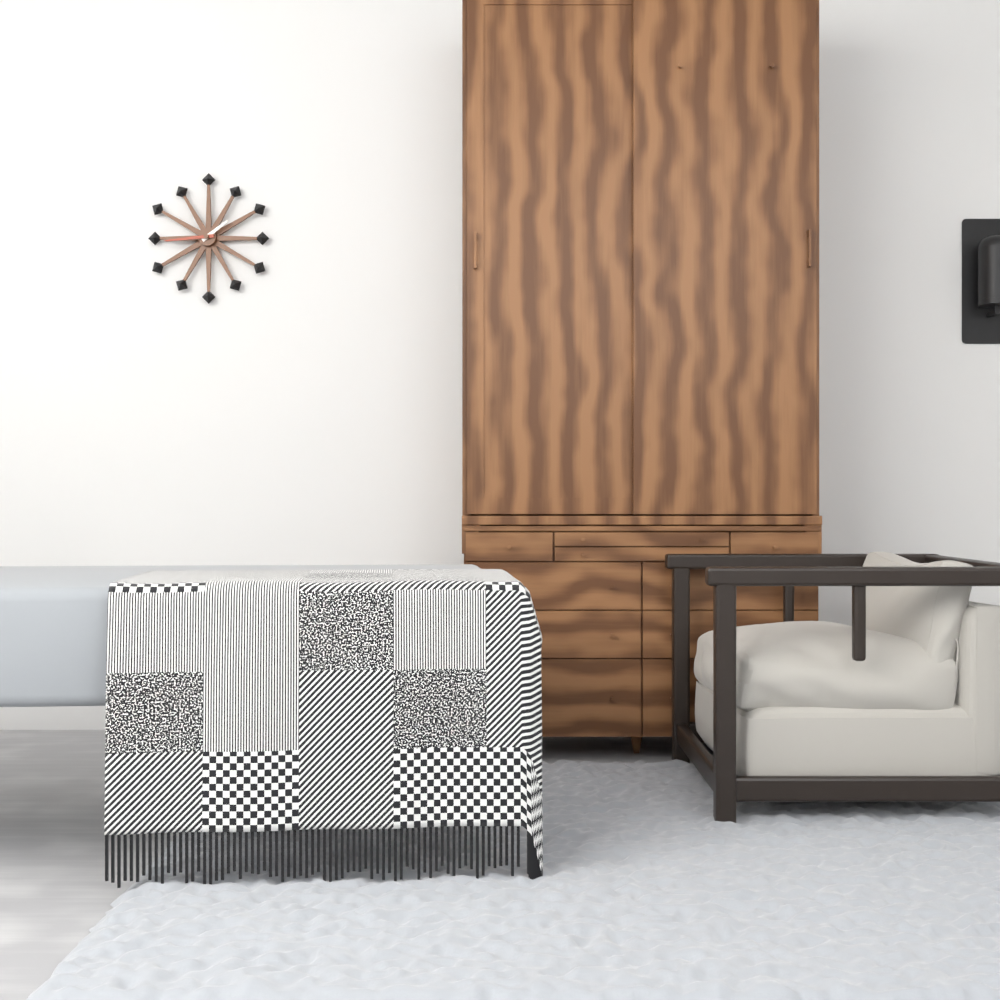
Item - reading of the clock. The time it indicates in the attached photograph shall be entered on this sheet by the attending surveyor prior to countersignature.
1:44
